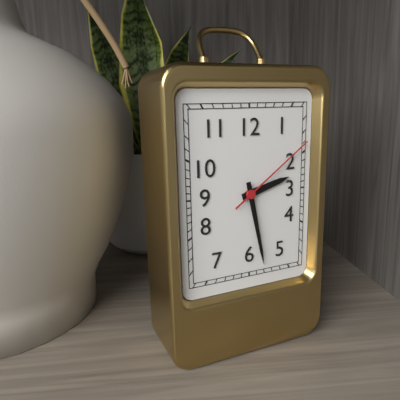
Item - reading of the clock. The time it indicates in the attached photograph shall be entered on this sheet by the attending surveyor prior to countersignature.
2:28:09
